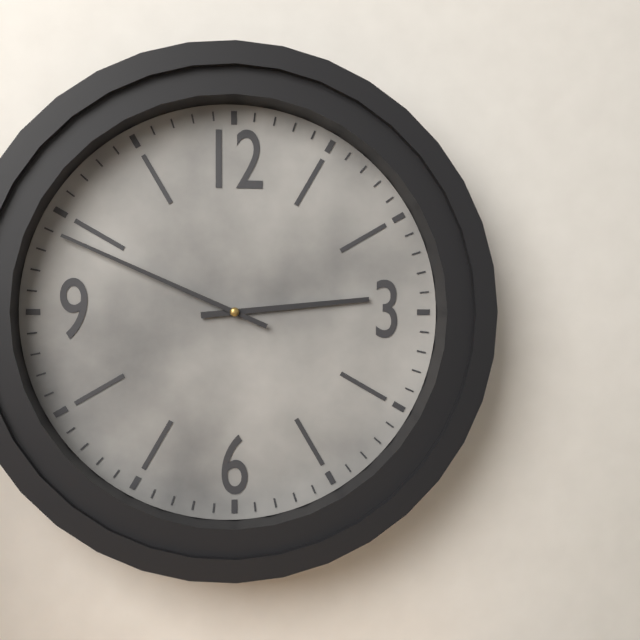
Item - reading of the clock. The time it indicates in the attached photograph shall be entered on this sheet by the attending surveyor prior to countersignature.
2:49
